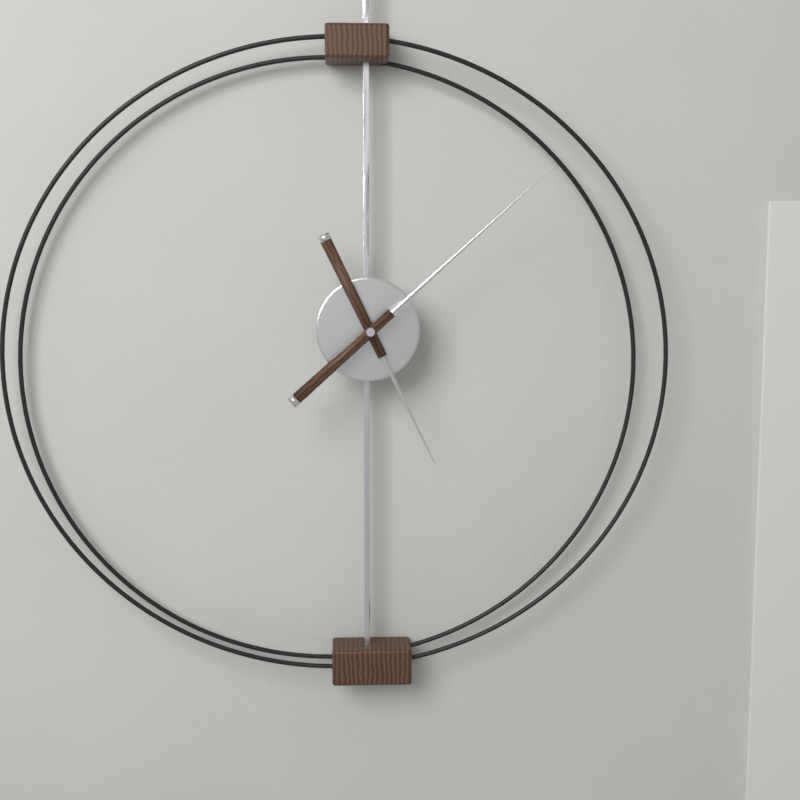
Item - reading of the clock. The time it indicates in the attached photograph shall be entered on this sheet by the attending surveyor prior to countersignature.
5:08
